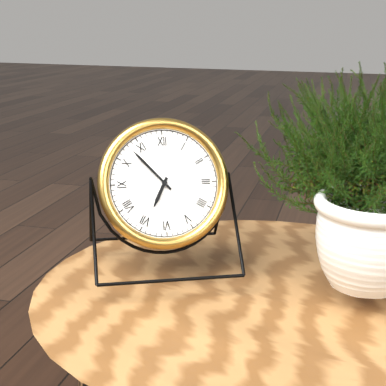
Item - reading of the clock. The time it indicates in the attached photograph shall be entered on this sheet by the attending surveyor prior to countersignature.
6:53
